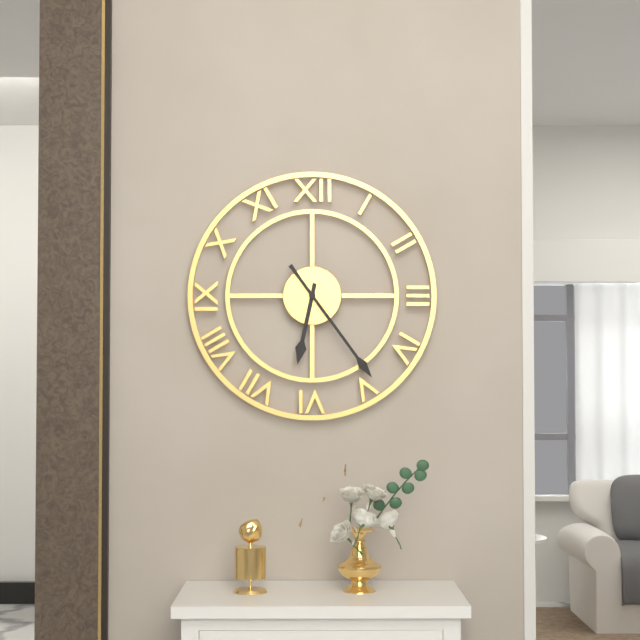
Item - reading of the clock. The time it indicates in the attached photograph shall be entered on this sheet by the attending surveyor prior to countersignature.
6:24
